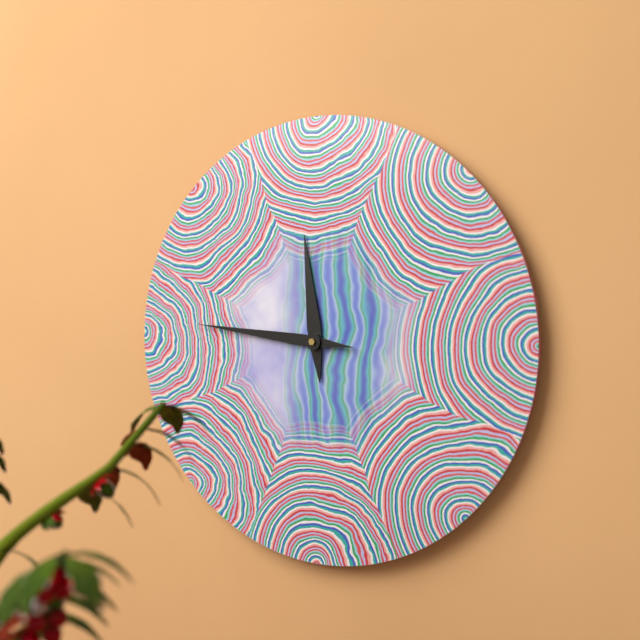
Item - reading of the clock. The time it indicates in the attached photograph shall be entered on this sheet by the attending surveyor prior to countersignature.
11:46
